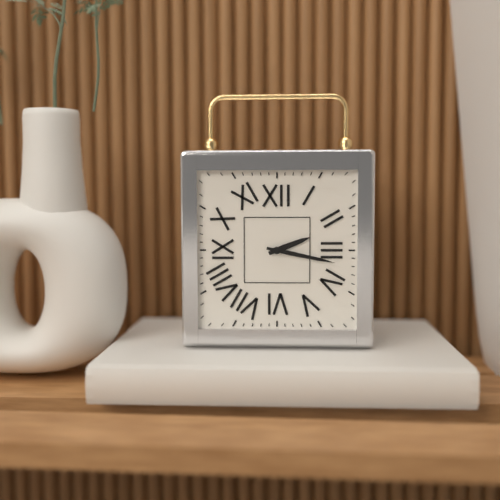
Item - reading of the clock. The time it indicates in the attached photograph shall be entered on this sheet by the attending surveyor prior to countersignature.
2:17
